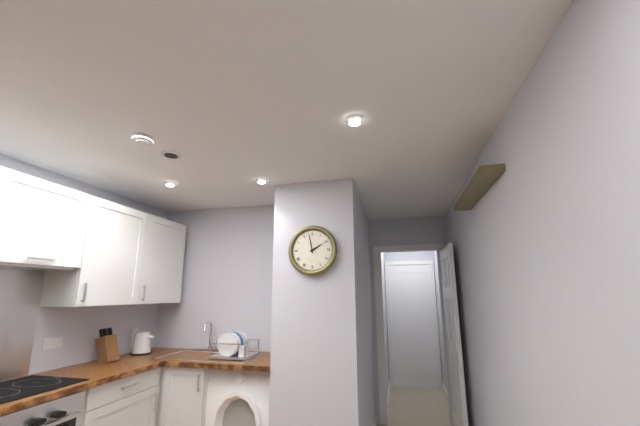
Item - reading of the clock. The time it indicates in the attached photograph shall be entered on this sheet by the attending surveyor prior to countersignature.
1:58
